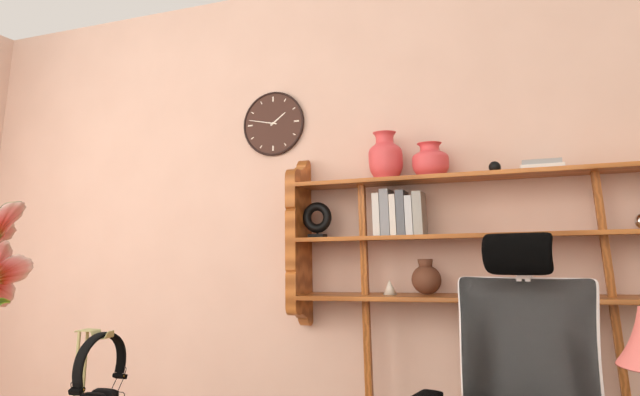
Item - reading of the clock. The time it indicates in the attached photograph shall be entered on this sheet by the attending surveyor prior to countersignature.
1:47
